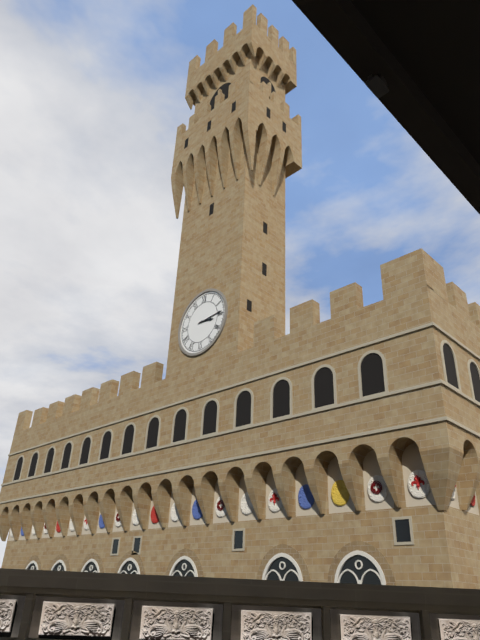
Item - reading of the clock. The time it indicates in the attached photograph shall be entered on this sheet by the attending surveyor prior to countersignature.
3:14
